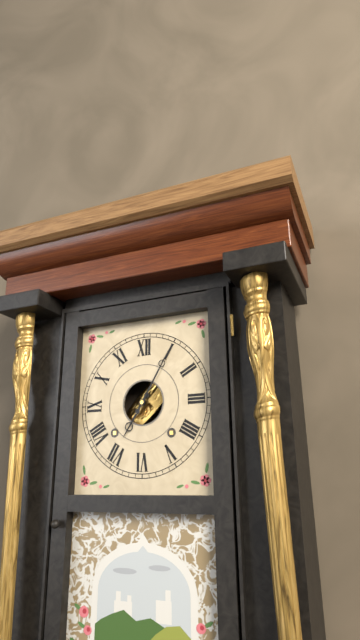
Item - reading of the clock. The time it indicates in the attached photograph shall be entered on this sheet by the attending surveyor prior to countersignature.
7:05
